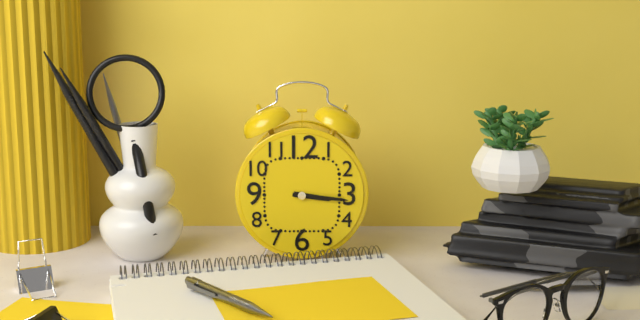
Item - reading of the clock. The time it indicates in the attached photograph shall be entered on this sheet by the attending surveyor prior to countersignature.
3:16
